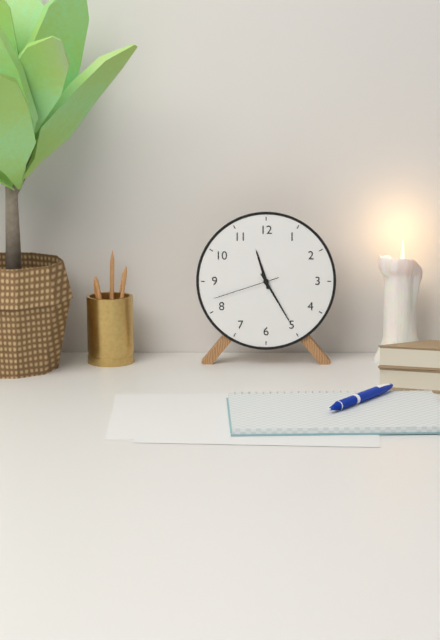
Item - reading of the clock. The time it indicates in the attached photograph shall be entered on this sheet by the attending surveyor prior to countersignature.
11:25:42
